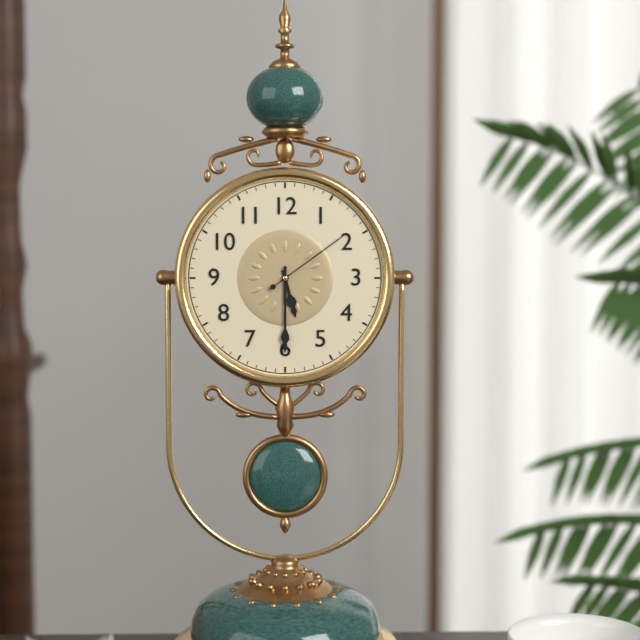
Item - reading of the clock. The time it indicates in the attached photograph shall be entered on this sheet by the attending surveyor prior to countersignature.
5:30:09
